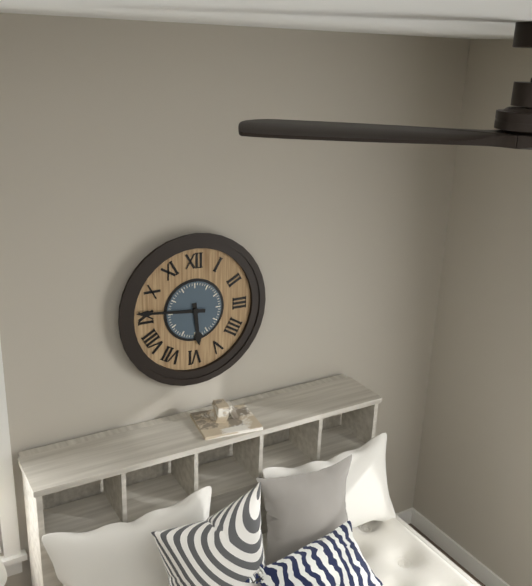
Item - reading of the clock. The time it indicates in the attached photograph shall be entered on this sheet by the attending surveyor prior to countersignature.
5:46
